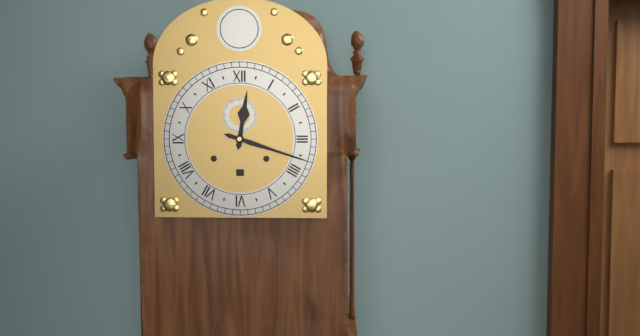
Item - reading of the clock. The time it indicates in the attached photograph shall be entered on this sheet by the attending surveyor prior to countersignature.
12:18
